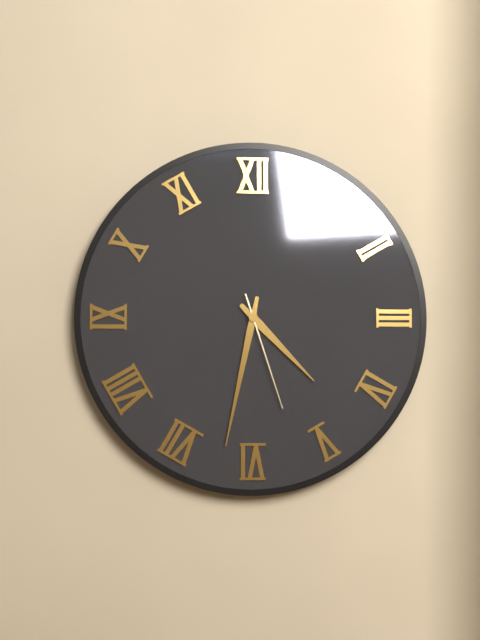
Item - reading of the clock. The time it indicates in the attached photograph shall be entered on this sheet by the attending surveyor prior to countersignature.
4:32:27
